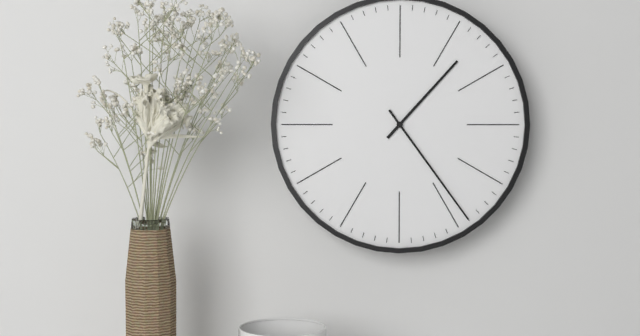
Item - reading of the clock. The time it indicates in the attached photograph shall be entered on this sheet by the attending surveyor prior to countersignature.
1:24
